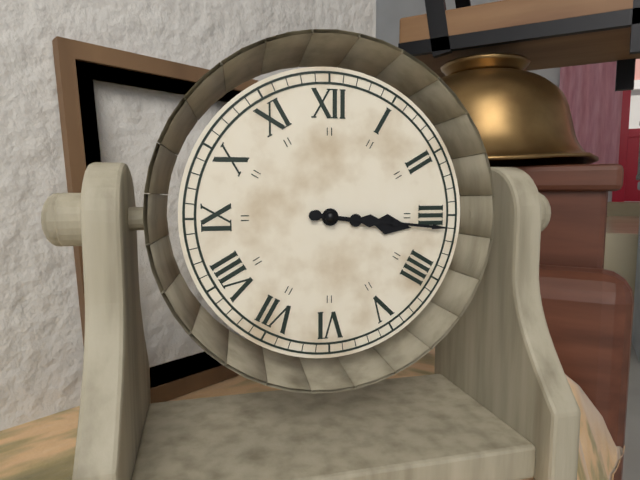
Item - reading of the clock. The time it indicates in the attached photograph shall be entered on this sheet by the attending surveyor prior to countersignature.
3:16
